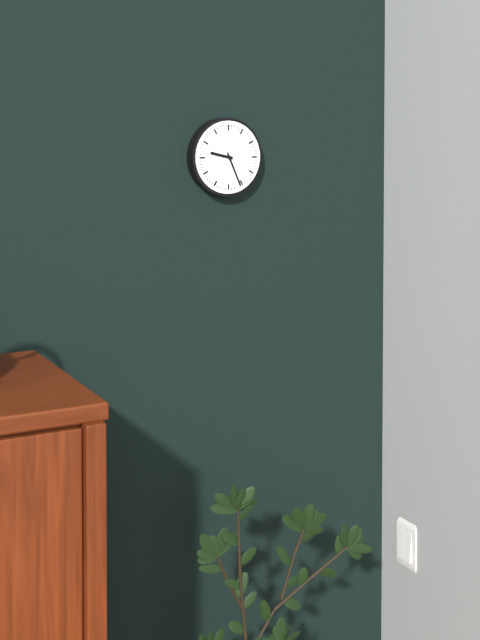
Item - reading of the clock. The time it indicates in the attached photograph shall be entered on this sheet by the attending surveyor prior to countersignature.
9:26
